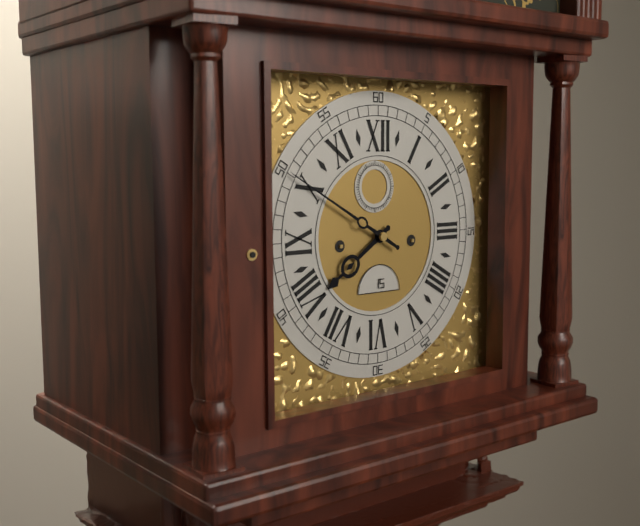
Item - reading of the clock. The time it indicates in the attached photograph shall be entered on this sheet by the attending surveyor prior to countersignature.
7:50
